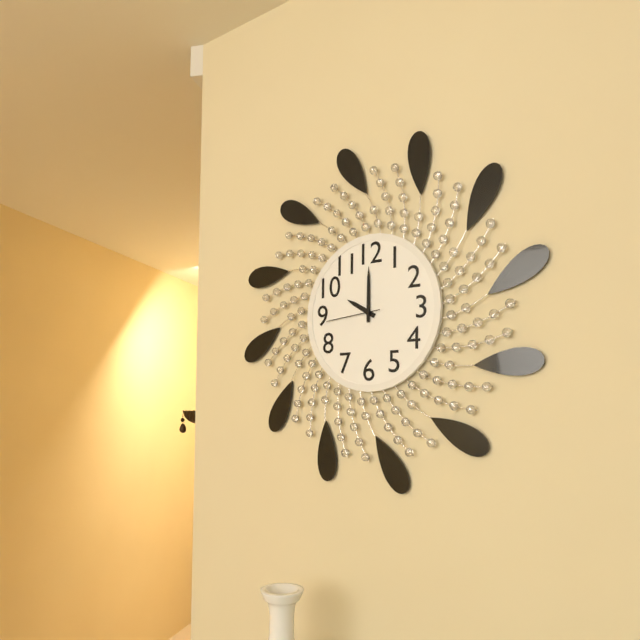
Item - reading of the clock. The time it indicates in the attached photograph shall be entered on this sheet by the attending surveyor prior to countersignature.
10:00:44
